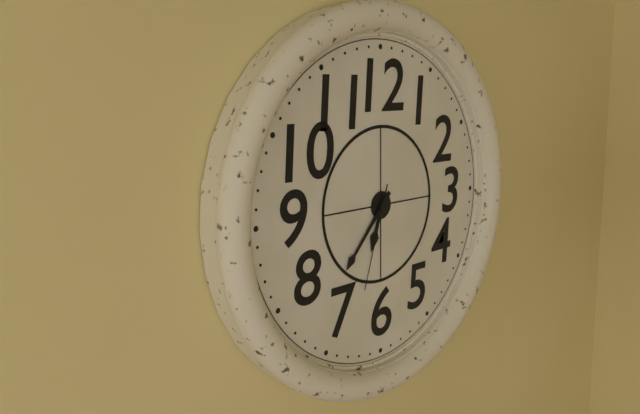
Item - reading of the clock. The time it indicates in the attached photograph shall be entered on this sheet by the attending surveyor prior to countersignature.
6:37:33
